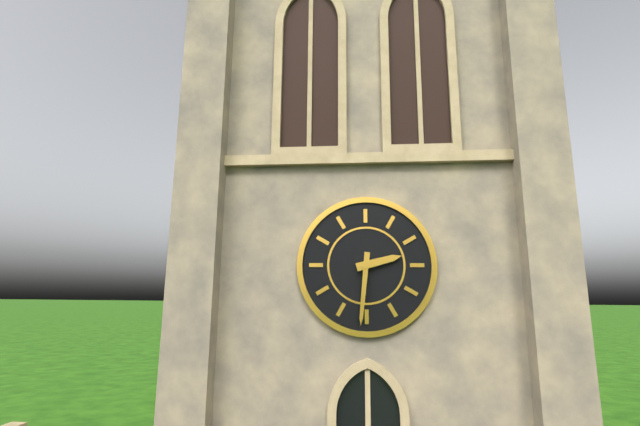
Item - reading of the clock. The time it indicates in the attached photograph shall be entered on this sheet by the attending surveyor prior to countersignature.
2:31
